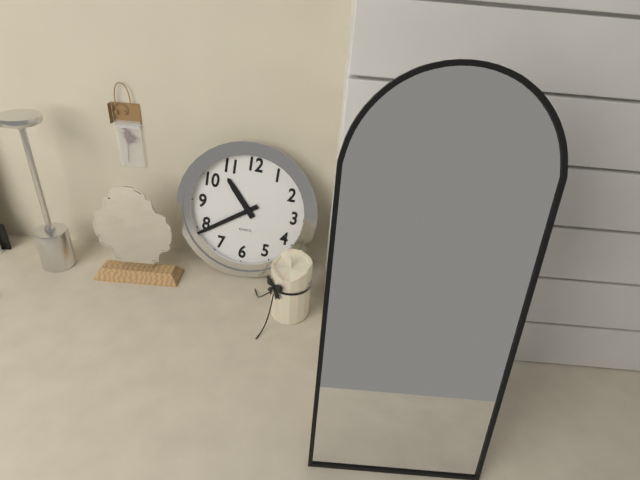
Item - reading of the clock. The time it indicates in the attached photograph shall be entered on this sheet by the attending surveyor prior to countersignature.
10:39
